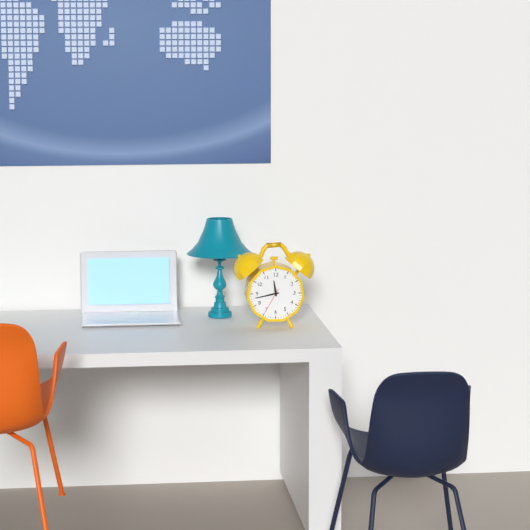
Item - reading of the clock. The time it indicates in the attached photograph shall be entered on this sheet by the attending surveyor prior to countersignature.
11:43
